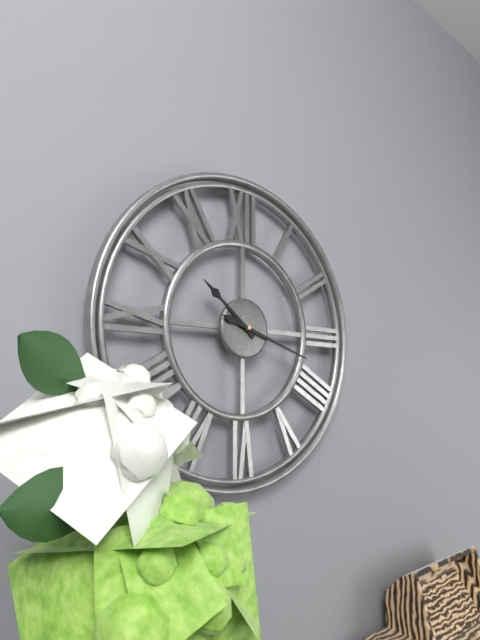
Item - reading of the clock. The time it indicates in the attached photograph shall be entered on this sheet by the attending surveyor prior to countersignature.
10:18
